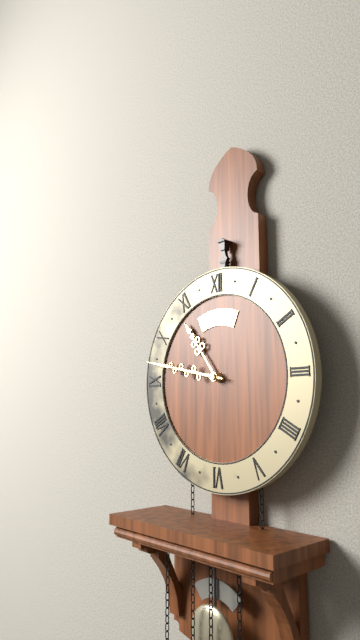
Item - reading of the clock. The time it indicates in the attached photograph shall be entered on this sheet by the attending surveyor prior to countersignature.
10:47
